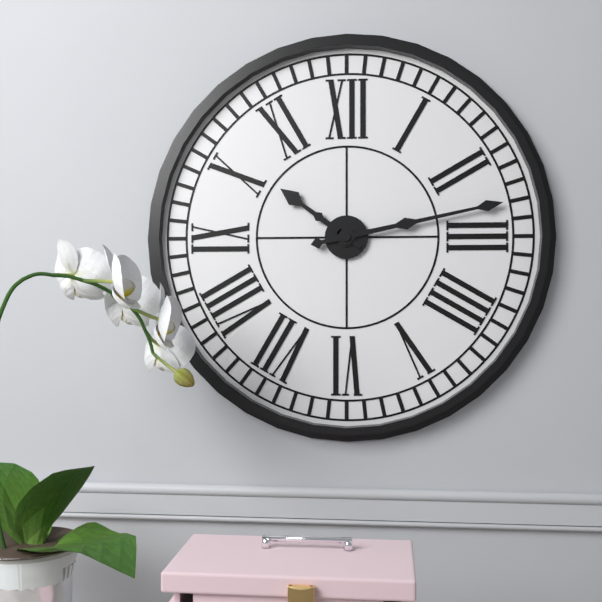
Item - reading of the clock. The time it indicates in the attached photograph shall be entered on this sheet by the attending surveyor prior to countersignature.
10:13
